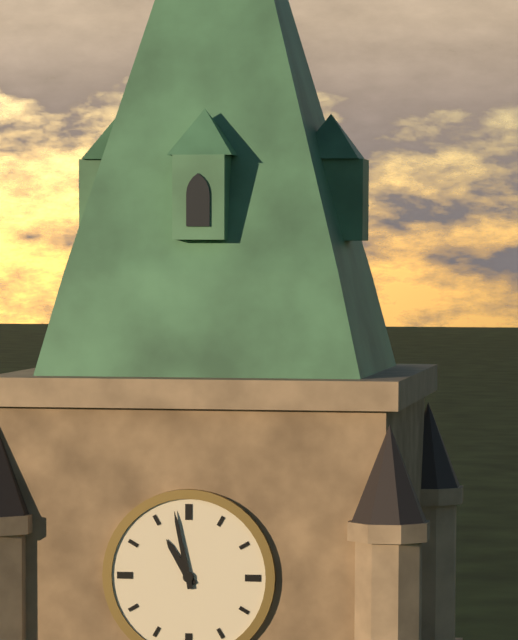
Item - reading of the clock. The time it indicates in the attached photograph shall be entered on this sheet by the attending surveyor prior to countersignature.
10:58
